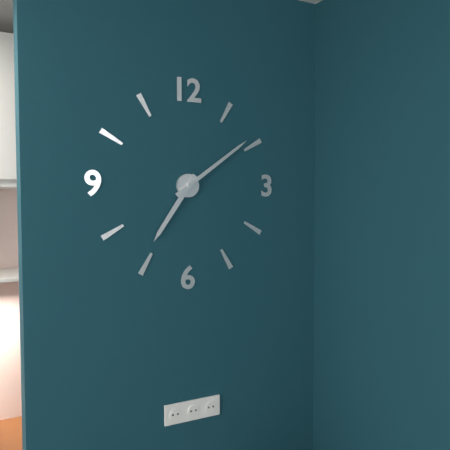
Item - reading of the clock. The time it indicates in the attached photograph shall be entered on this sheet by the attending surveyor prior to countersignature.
7:09
